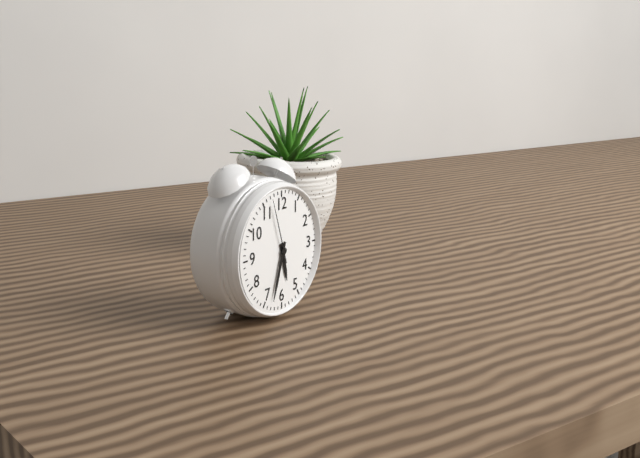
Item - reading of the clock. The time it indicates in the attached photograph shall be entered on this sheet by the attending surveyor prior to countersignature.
5:33:57
